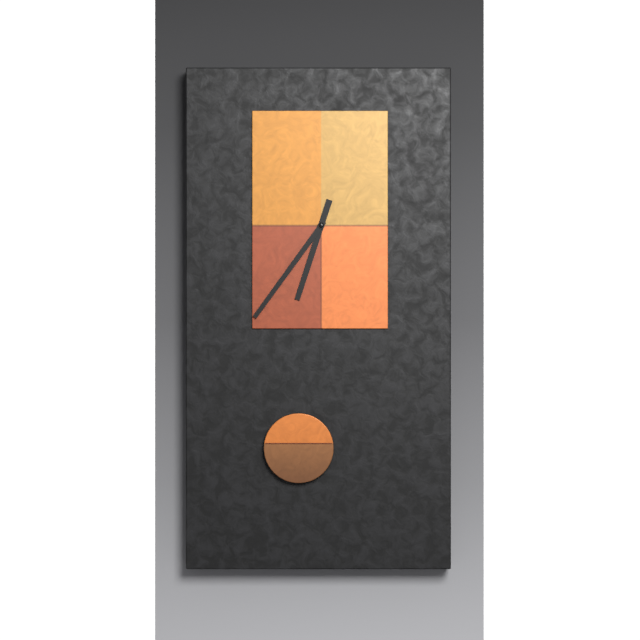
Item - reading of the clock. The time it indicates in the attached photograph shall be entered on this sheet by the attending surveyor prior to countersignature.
6:36
